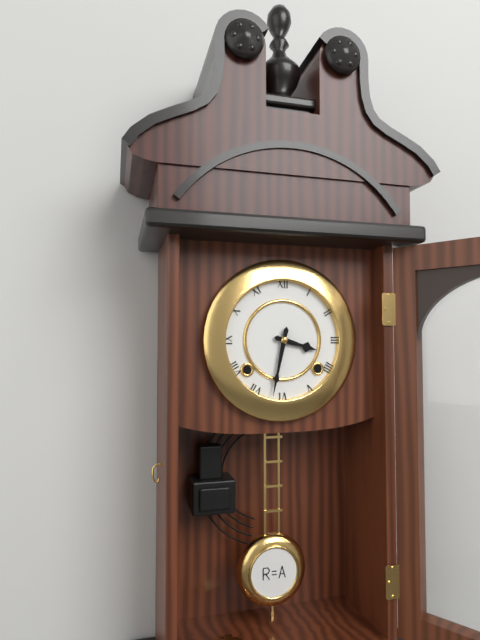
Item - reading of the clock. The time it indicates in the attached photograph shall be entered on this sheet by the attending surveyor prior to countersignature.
3:32
